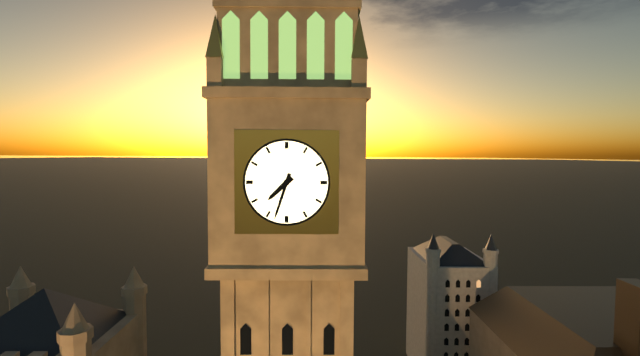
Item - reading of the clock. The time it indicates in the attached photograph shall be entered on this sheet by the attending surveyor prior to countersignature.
7:33
